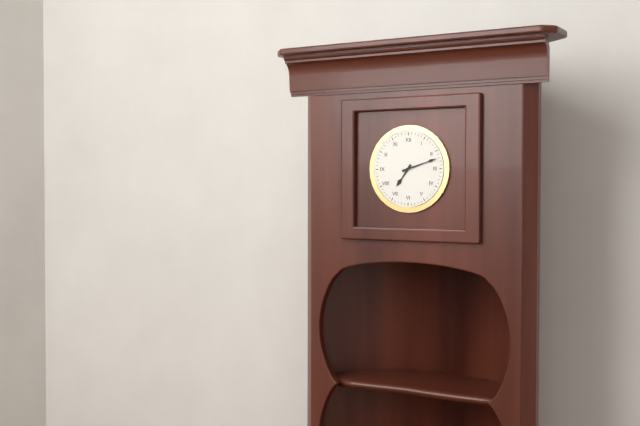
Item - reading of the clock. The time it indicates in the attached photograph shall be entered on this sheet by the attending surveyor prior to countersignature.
7:12
